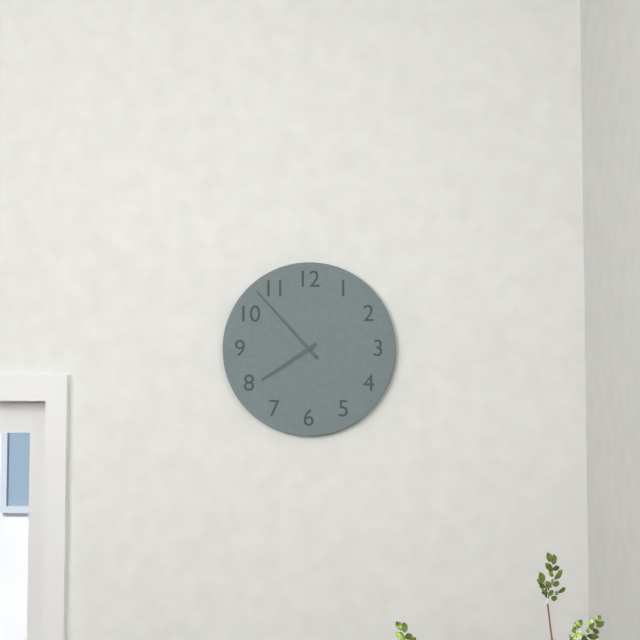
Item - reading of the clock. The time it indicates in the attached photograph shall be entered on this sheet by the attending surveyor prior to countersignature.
7:53
